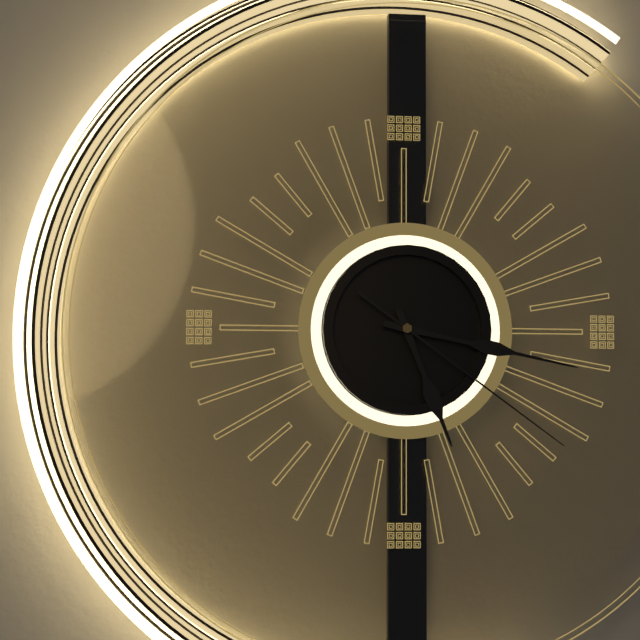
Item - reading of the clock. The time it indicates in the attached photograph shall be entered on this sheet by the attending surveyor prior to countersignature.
5:17:21
